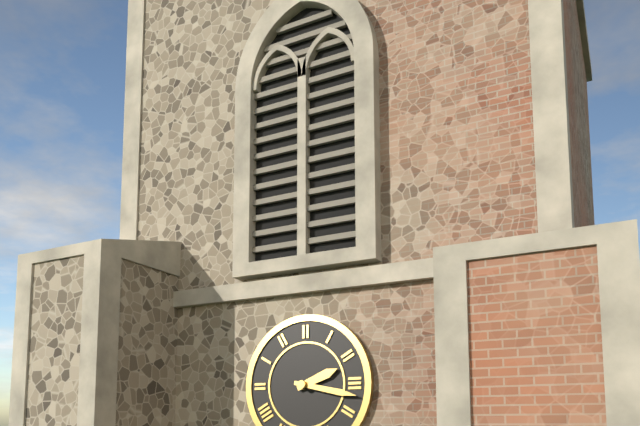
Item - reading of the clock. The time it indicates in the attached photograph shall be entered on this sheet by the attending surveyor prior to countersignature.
2:17
